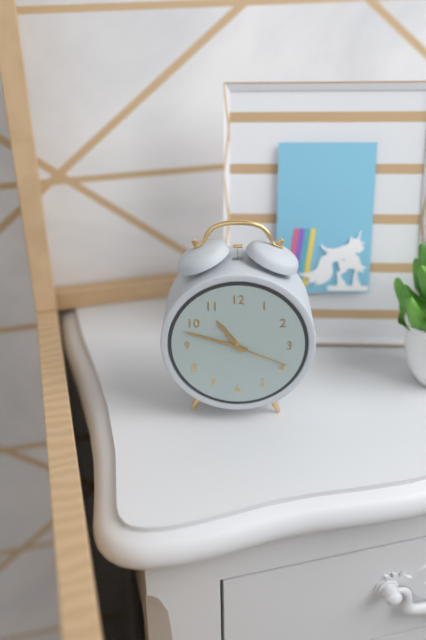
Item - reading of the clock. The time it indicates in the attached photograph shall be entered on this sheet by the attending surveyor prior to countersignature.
10:48:19
